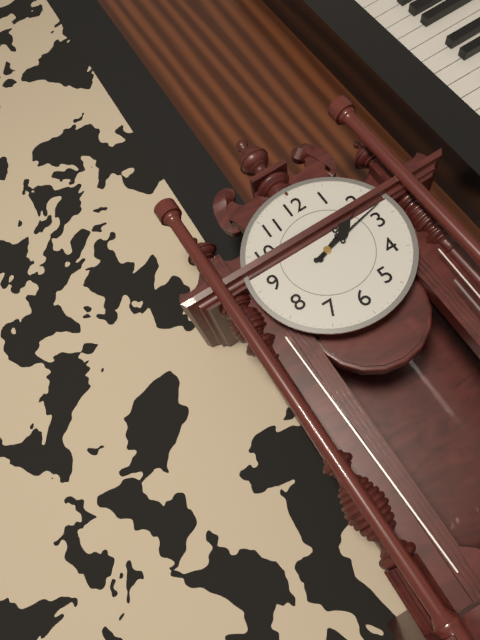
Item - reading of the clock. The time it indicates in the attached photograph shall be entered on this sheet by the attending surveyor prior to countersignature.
2:13
